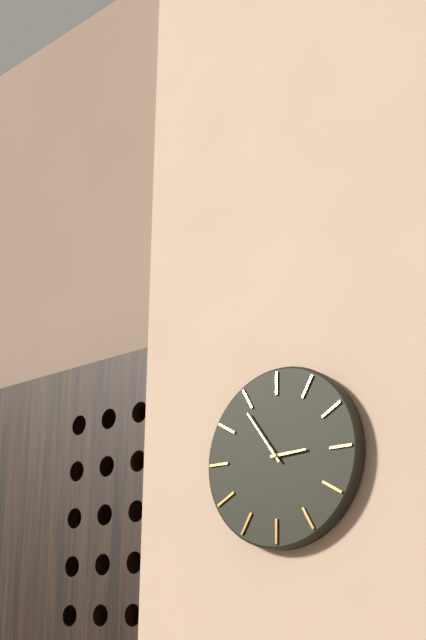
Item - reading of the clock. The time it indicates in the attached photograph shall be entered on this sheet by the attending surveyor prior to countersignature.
2:54
